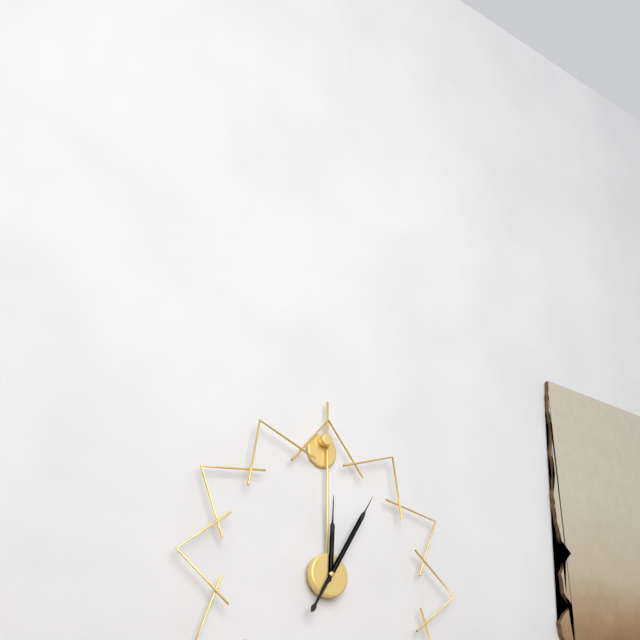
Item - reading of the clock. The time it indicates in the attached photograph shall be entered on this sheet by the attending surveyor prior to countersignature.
12:05
